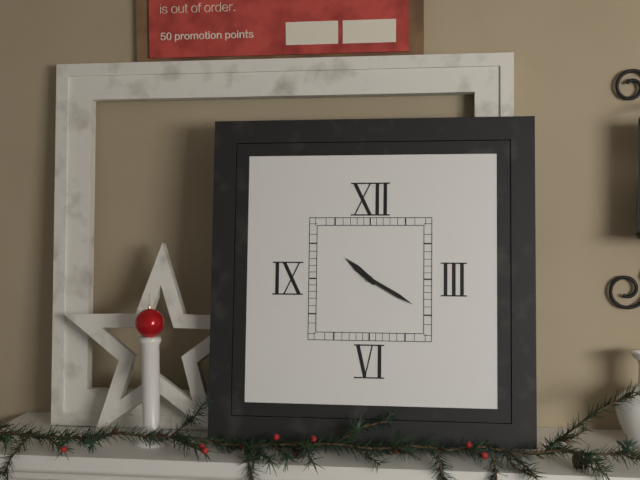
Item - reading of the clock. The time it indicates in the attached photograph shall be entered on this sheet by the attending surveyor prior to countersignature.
10:20
